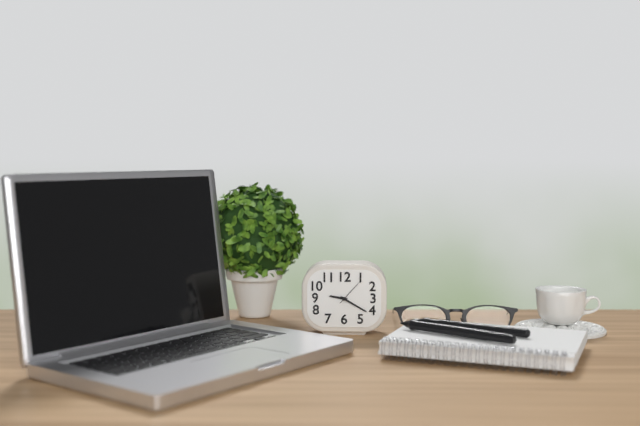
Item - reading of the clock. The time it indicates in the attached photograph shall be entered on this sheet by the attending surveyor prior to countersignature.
9:20
